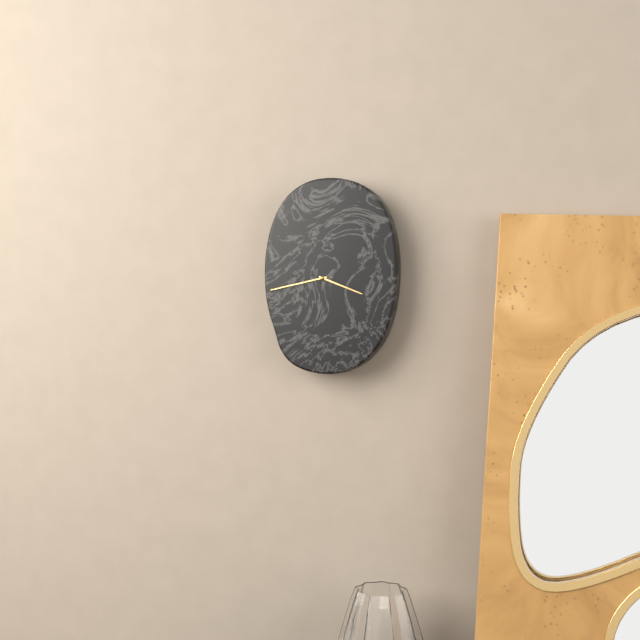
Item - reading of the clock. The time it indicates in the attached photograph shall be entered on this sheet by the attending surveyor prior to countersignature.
3:43
